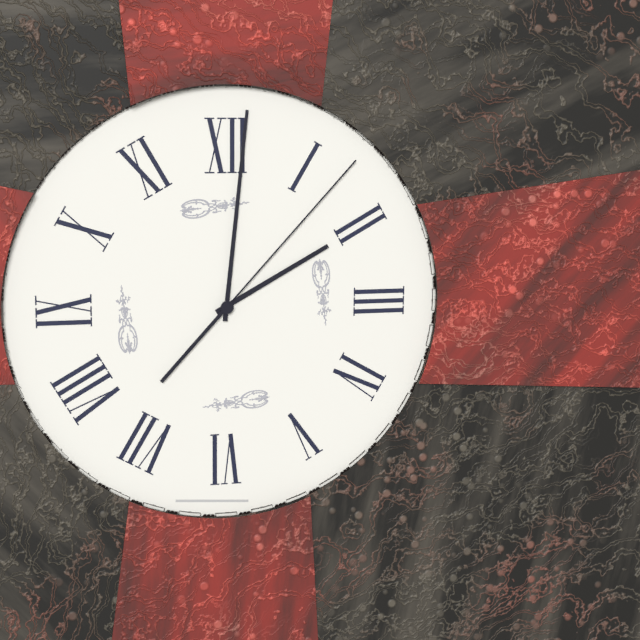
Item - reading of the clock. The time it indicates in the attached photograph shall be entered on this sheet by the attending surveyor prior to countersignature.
2:01:07
